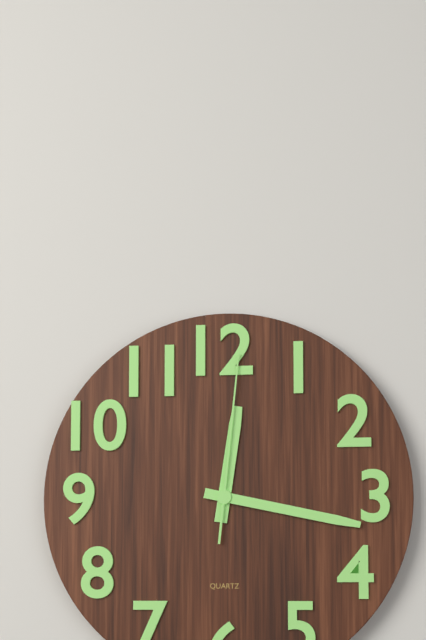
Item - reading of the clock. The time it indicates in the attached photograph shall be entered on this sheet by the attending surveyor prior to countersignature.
12:17:01
